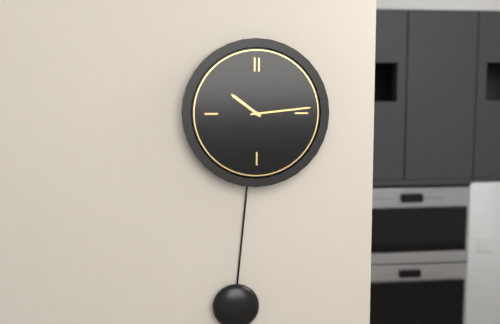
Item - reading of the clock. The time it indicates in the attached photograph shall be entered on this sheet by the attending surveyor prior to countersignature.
10:14
